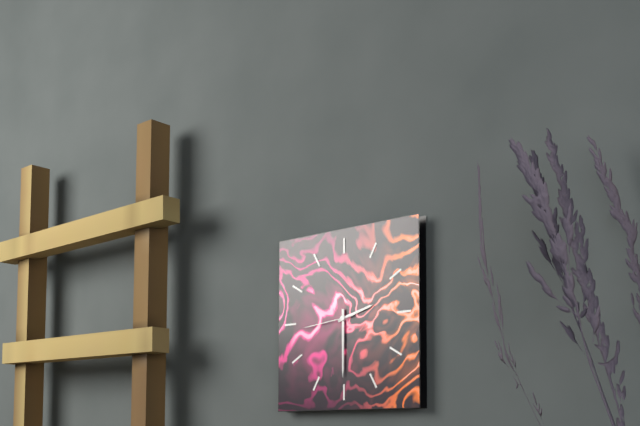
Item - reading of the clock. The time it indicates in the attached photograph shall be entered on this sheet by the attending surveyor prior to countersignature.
2:30:44
